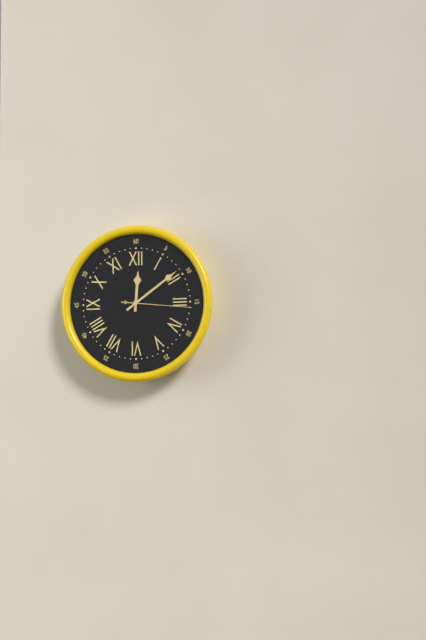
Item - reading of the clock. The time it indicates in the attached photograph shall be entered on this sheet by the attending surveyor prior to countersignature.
12:09:16
